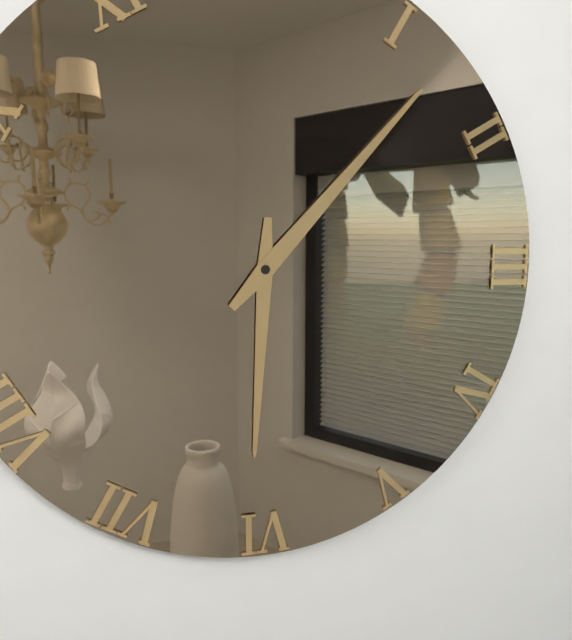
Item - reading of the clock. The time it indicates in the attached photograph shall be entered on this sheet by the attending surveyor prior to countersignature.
6:07
